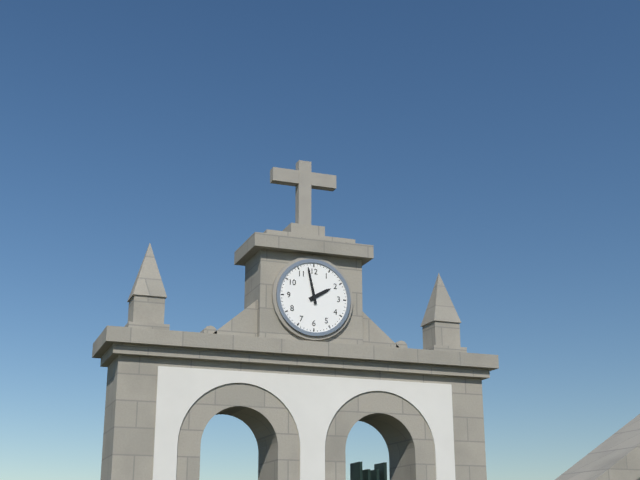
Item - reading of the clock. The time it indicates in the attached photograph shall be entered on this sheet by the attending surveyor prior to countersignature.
1:58
